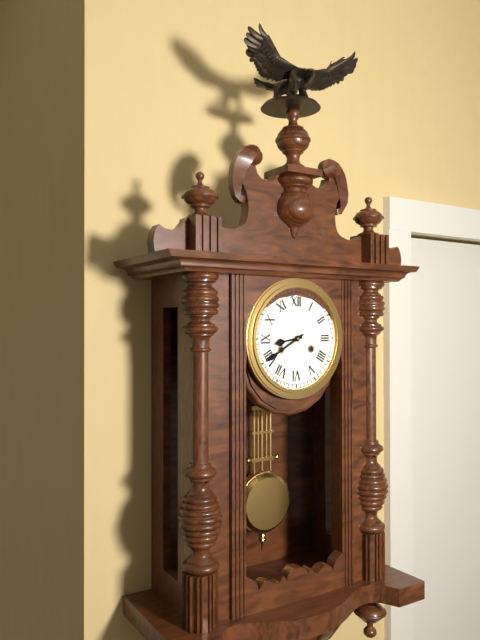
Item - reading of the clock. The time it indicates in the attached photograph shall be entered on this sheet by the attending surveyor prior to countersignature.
8:40
